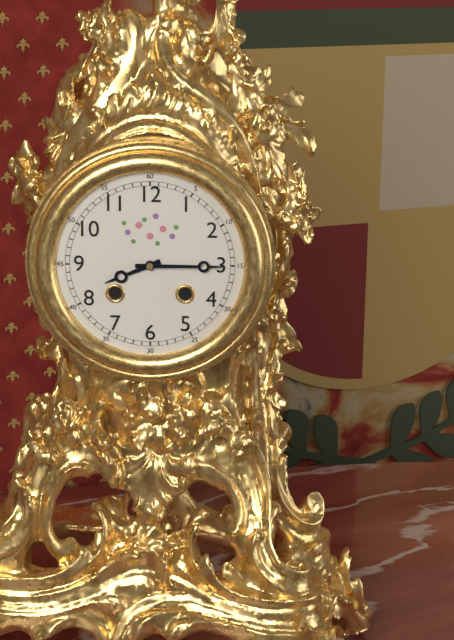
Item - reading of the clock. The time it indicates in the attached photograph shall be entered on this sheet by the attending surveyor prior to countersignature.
8:15
